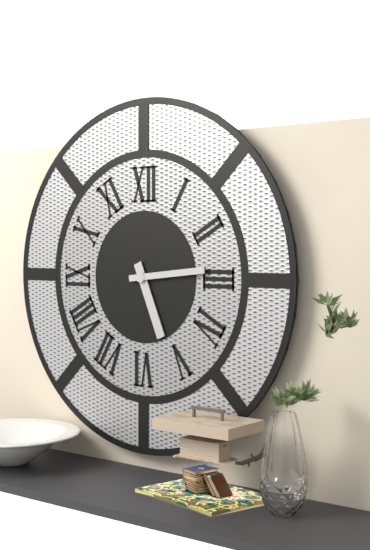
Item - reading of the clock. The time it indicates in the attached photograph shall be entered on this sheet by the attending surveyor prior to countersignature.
5:14
